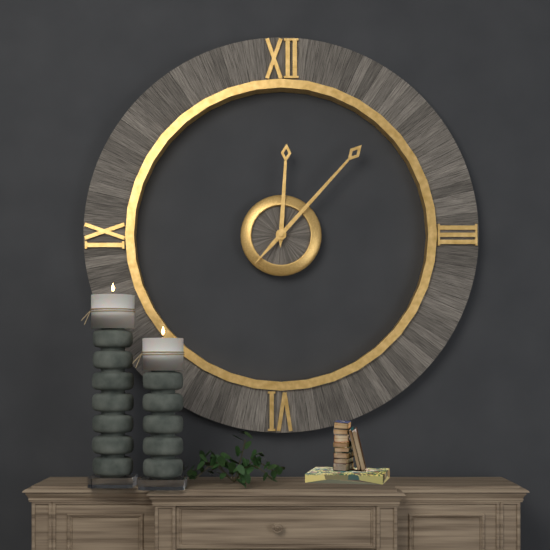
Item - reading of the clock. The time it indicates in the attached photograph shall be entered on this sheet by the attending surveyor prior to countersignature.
12:07
